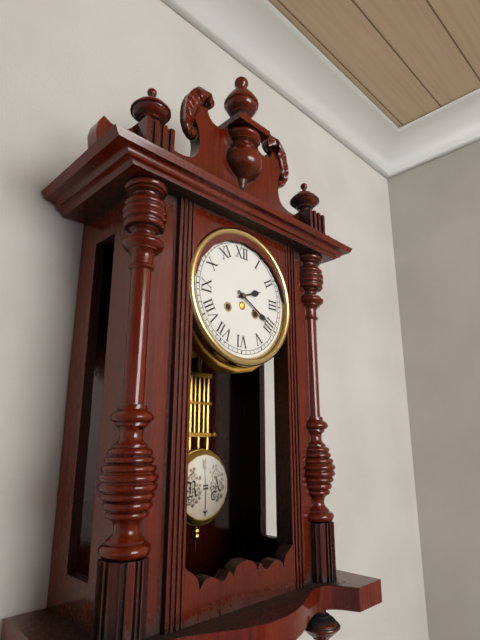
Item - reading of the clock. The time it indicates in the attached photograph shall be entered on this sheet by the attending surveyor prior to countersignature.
2:20
